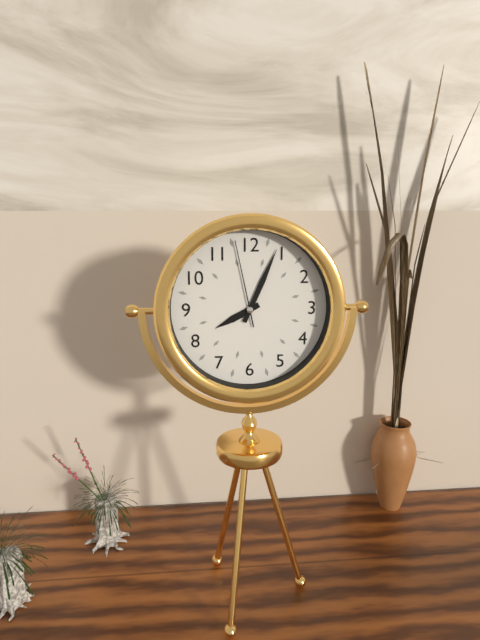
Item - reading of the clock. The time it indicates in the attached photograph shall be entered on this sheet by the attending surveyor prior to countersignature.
8:04:58
